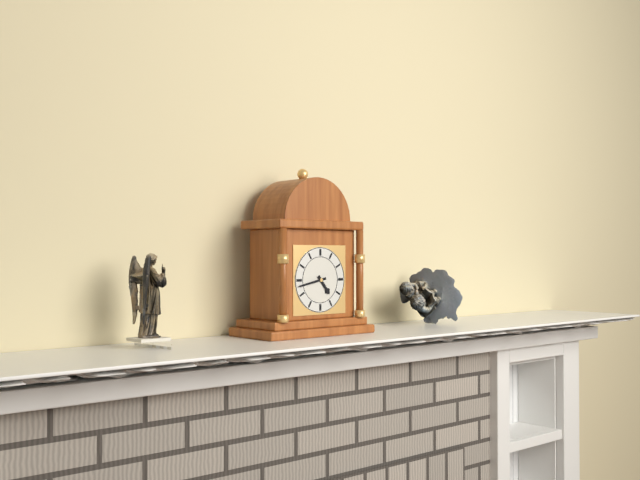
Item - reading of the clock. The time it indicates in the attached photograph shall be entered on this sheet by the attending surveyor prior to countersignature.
4:43
